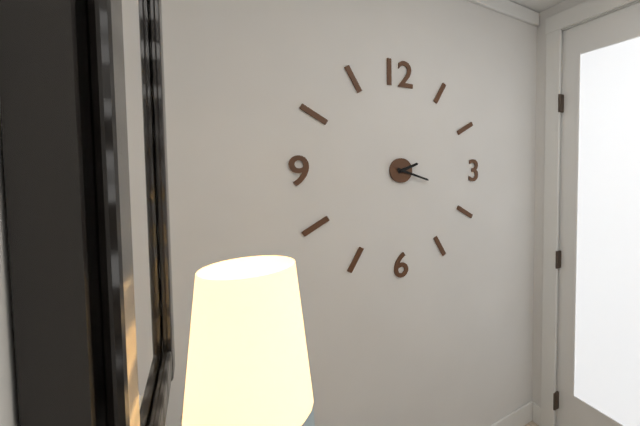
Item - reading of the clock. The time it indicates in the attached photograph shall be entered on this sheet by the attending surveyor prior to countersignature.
2:18
